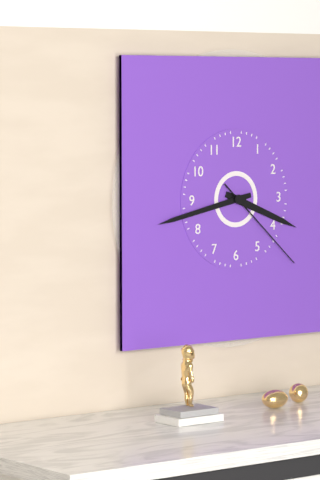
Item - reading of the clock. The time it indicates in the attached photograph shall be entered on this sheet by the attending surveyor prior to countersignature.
3:43:22
